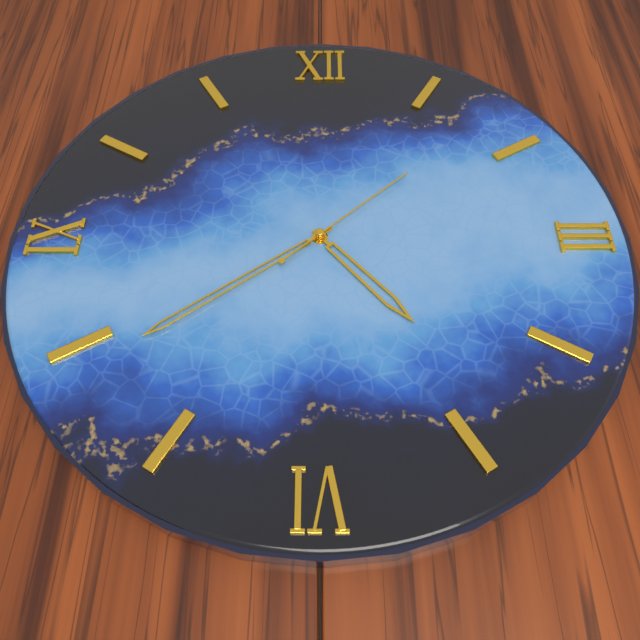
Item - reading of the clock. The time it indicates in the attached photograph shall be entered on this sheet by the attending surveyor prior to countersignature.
4:39:08
